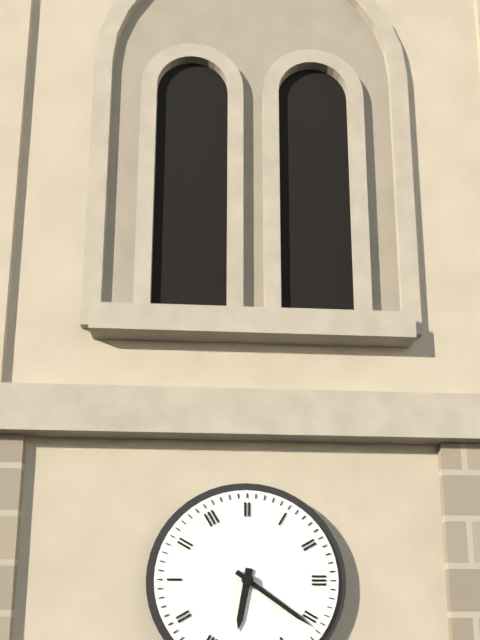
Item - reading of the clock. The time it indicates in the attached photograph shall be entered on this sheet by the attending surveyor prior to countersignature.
6:21
